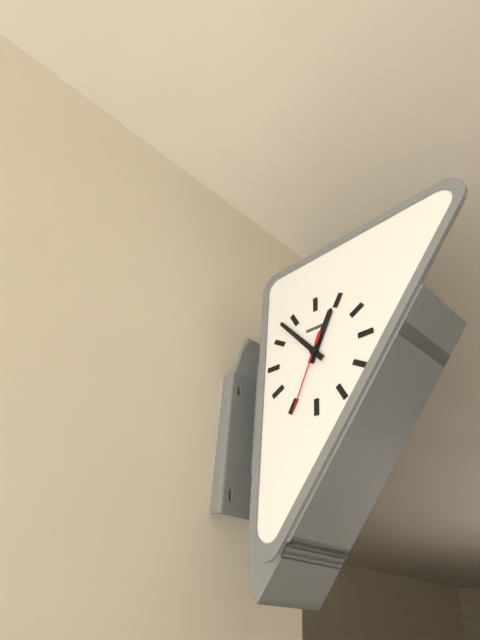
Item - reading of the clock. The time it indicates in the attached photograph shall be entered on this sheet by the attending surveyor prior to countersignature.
12:53:34
